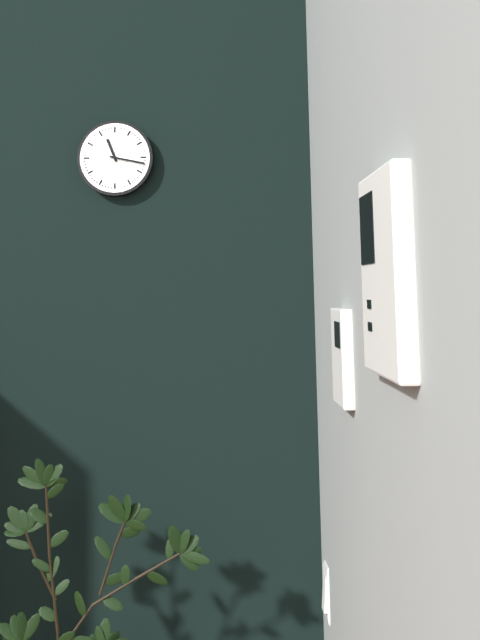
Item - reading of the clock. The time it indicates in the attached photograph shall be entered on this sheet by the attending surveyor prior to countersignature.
11:17
